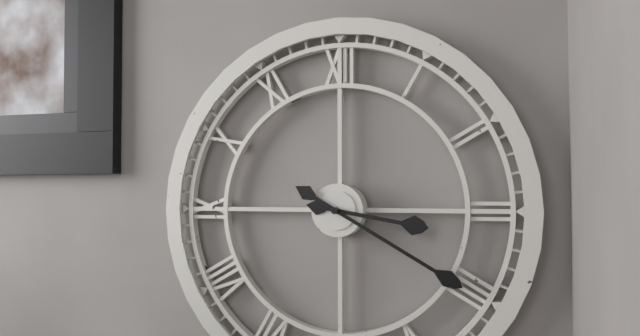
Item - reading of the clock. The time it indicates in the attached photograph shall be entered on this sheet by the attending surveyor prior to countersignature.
3:20
